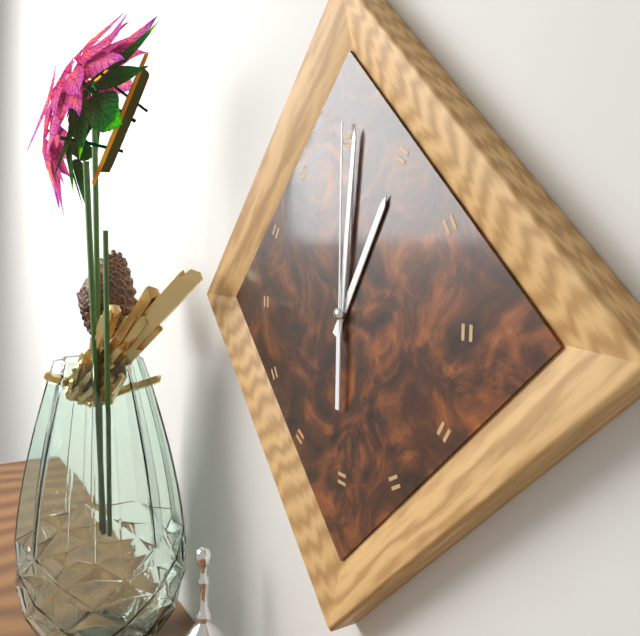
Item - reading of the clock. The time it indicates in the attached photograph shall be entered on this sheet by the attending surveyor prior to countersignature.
1:01:00
